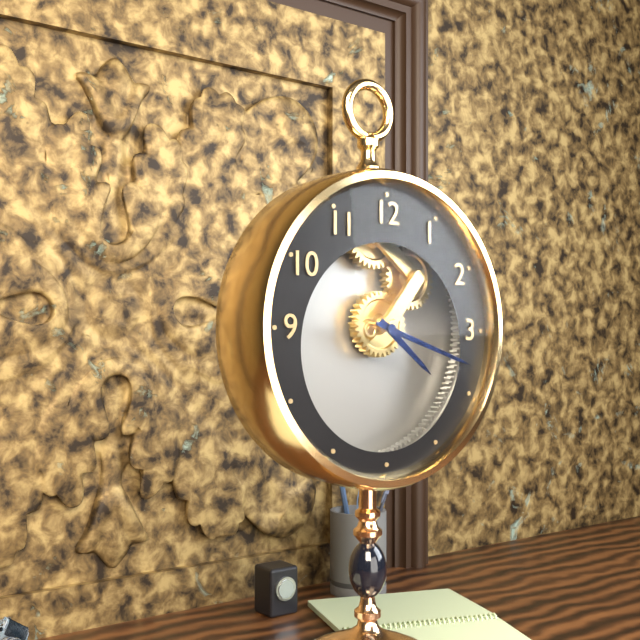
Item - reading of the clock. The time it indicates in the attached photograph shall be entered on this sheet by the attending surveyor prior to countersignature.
4:18
